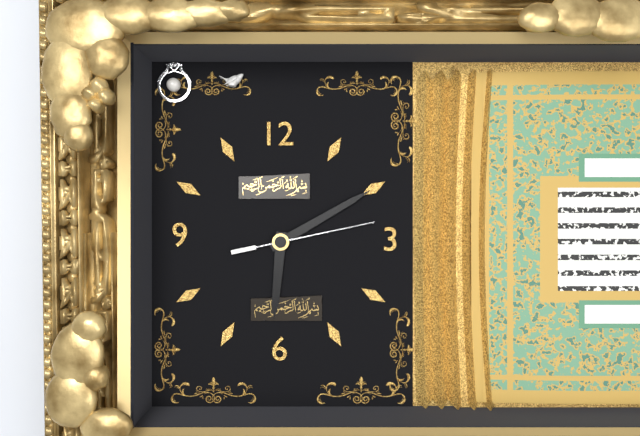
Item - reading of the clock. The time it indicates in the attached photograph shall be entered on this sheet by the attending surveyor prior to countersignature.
6:10:13
